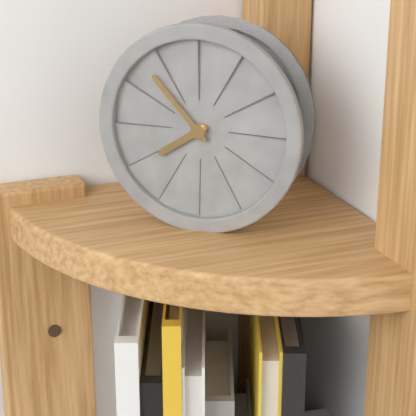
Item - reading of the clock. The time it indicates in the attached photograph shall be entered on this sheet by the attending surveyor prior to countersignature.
7:53
